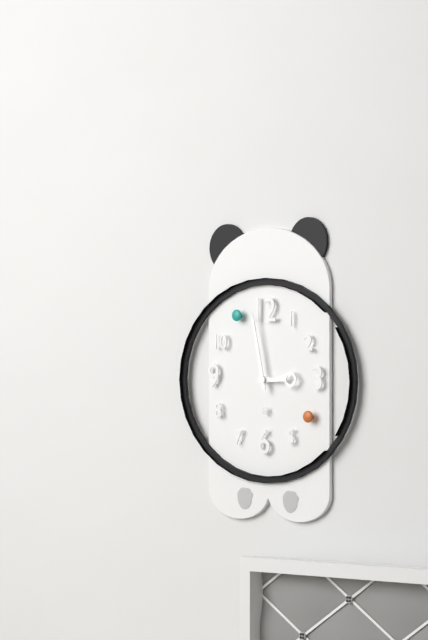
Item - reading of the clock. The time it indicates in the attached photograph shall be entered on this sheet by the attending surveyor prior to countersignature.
2:58
